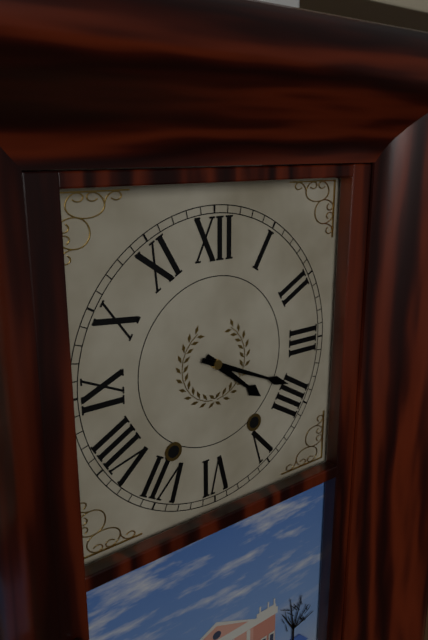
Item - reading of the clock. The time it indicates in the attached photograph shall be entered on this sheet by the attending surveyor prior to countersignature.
4:19
